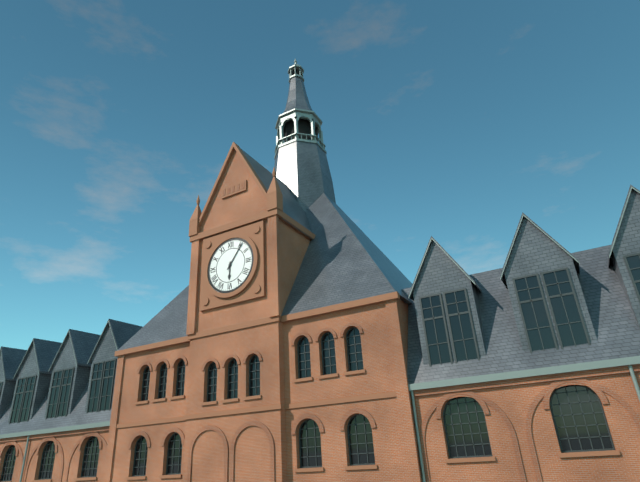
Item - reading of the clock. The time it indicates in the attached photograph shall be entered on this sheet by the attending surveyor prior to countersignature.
6:06
